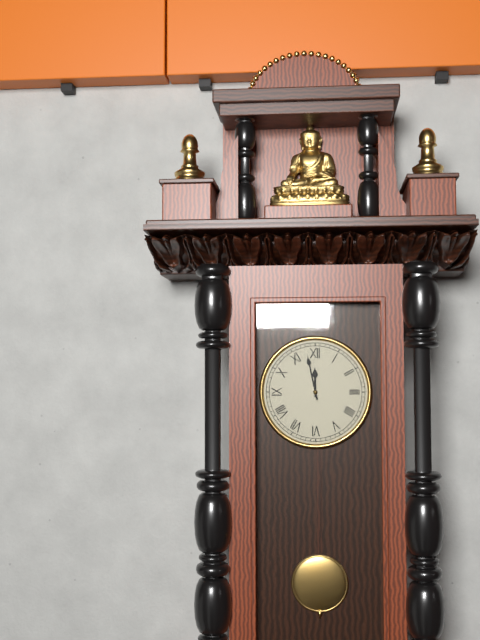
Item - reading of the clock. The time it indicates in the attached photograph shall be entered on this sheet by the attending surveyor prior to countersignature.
11:58
